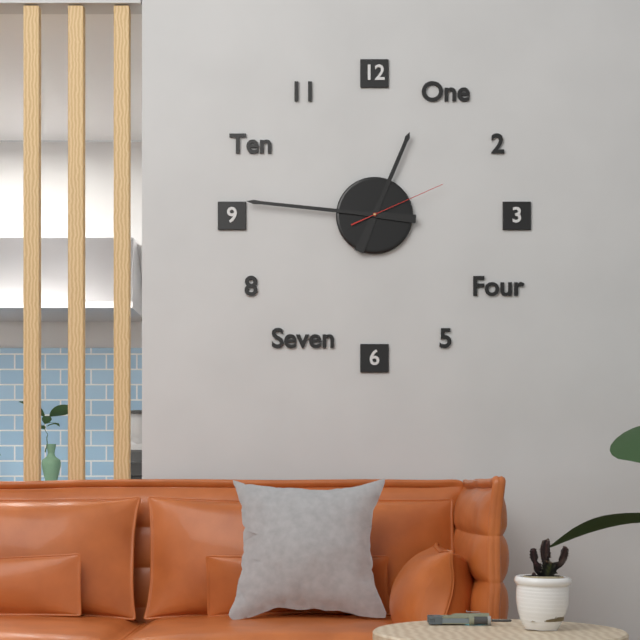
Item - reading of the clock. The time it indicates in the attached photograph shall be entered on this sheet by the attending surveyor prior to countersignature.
12:46:11
